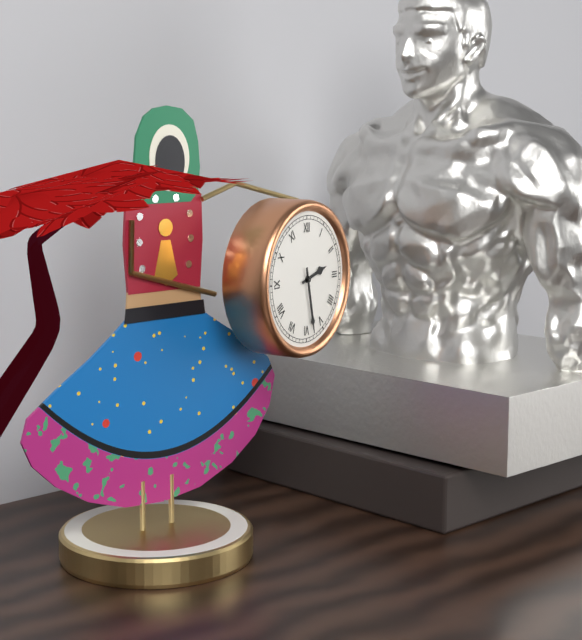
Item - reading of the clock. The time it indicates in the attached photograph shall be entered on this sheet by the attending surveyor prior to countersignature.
2:28
